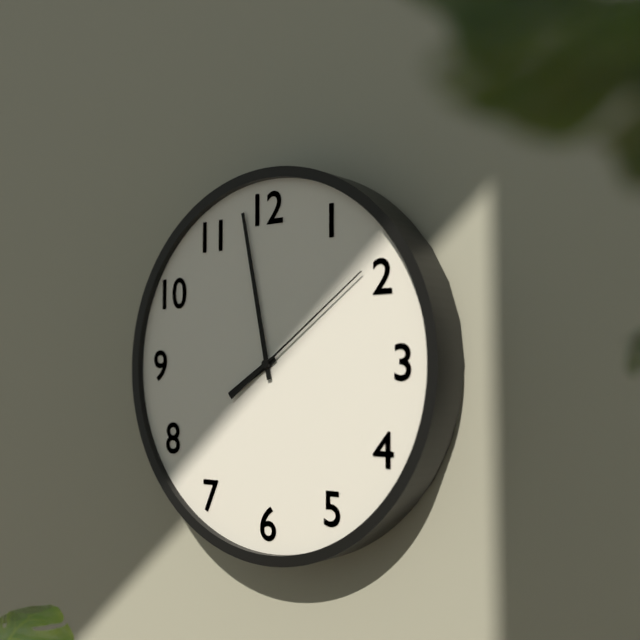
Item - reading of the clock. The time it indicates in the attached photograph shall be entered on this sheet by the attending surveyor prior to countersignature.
7:58:09
